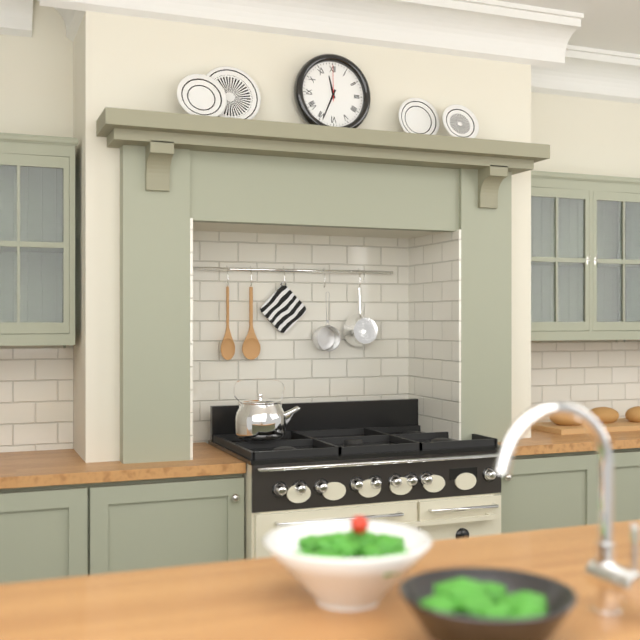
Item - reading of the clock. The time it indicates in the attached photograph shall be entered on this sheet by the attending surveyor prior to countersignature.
11:34
